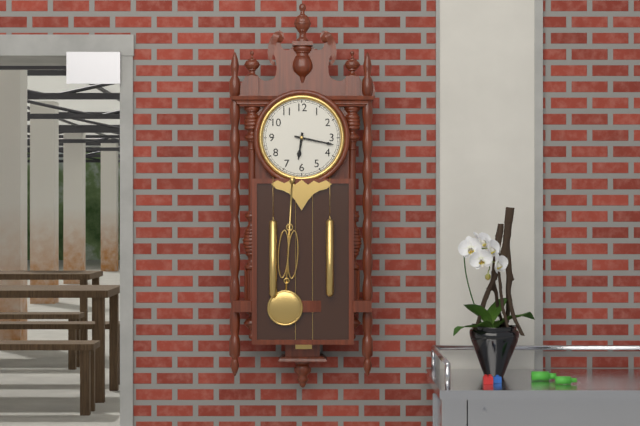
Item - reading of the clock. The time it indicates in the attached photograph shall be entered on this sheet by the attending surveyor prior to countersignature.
6:17
